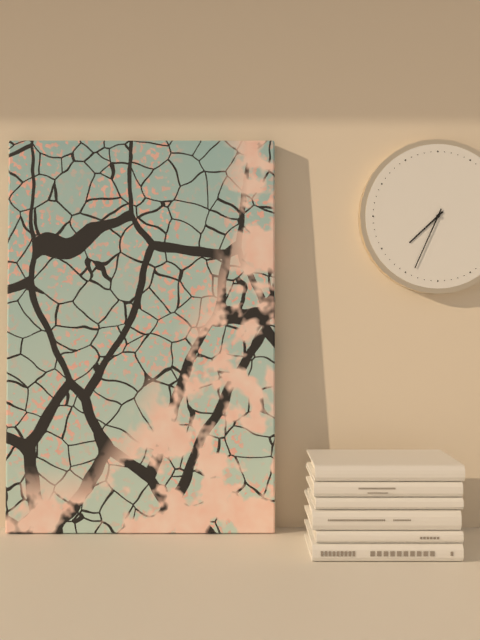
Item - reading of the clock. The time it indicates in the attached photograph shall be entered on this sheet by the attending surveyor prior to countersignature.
7:34
